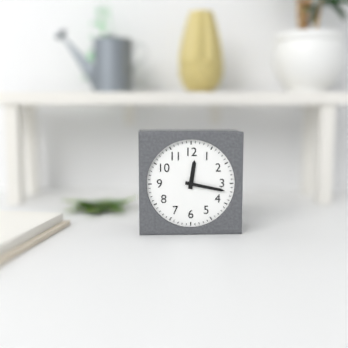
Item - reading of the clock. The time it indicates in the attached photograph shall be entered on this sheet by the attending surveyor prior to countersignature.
12:17
